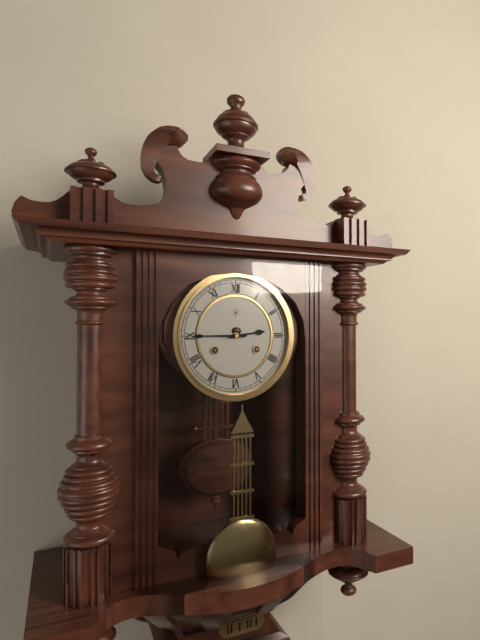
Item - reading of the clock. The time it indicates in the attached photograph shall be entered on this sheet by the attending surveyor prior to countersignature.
2:45
